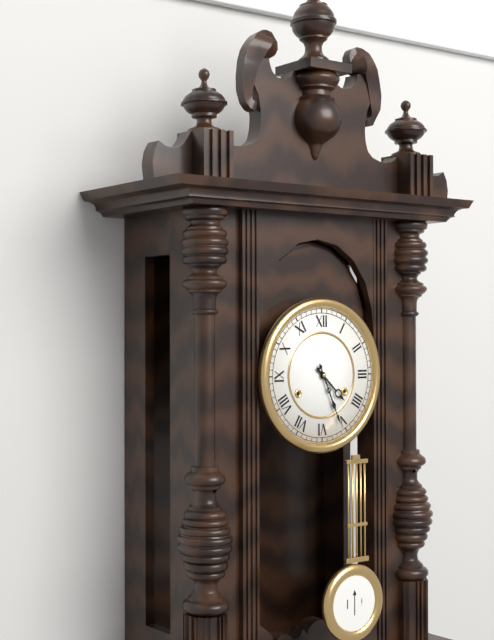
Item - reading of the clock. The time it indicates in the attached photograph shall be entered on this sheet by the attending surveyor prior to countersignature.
4:26
